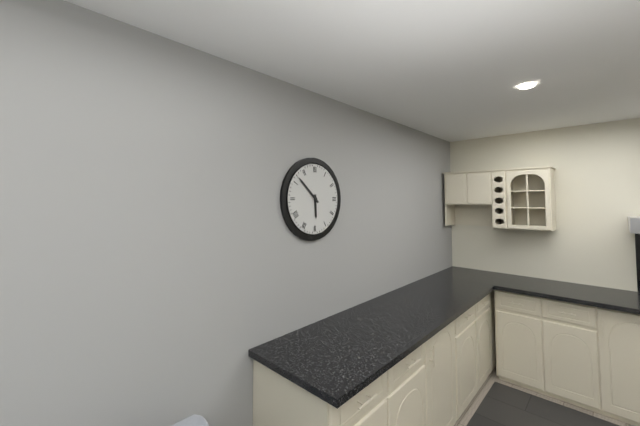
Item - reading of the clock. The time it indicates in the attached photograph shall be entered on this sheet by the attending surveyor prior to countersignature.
5:52
